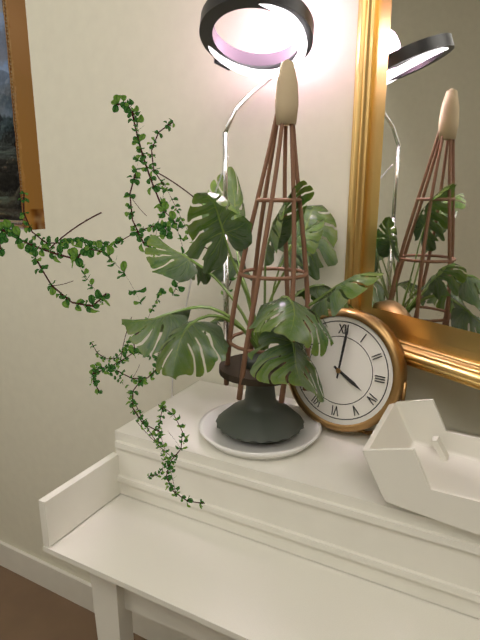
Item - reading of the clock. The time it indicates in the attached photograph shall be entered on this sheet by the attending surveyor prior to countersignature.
4:01
